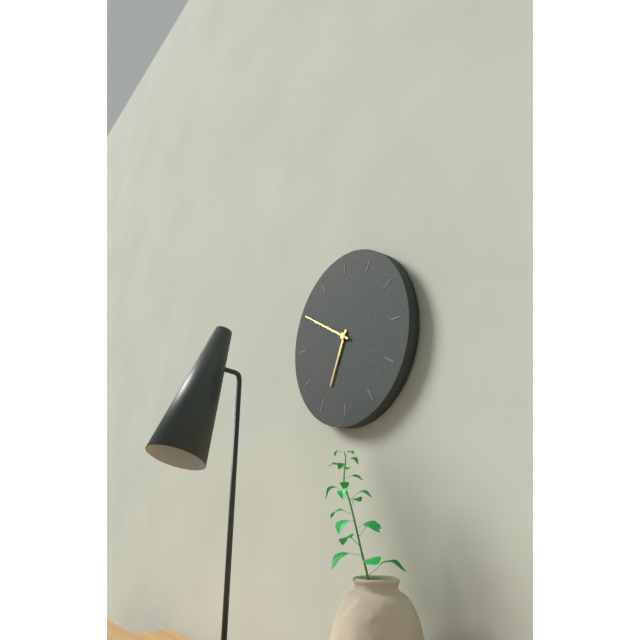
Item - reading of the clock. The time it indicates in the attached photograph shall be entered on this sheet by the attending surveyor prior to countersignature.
6:50
